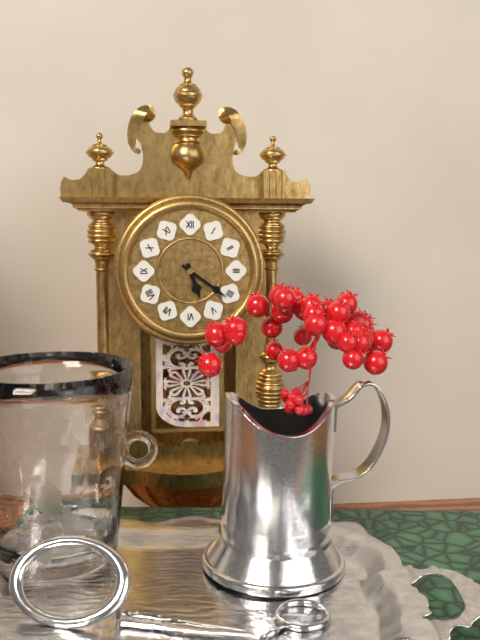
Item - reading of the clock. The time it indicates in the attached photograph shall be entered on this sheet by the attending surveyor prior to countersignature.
5:21
